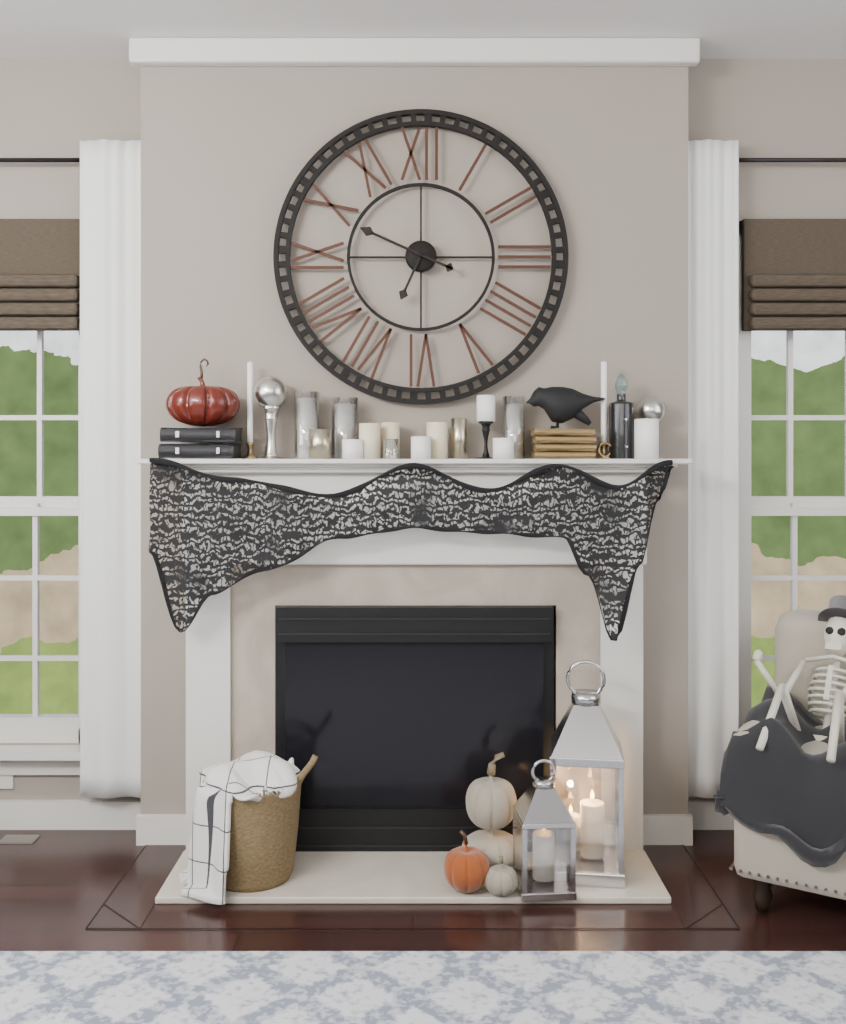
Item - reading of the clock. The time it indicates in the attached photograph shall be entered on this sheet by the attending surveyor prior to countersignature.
6:49
